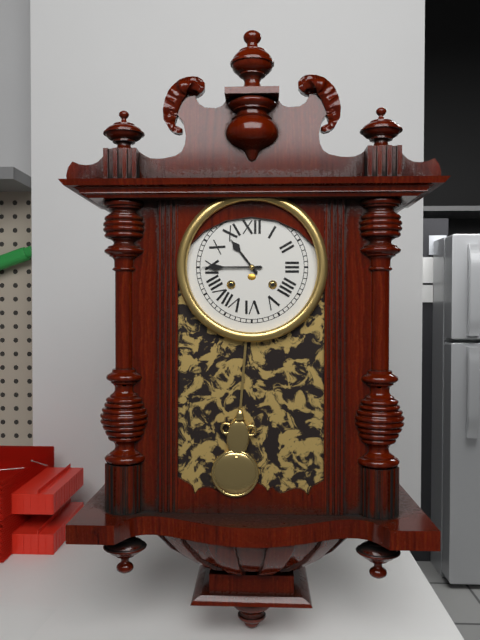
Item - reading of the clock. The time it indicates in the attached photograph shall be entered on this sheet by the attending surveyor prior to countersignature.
10:45
